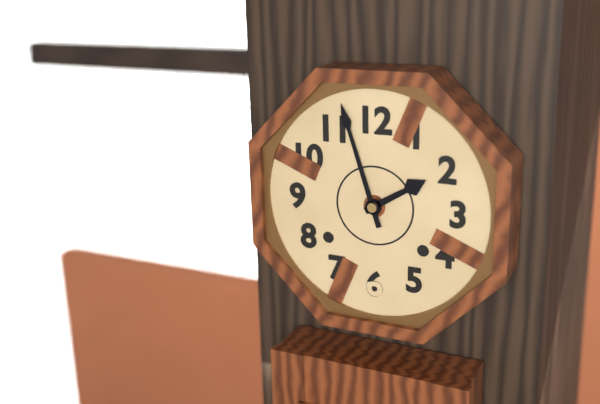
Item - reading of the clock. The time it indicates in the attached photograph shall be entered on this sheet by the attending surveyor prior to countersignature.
1:57
